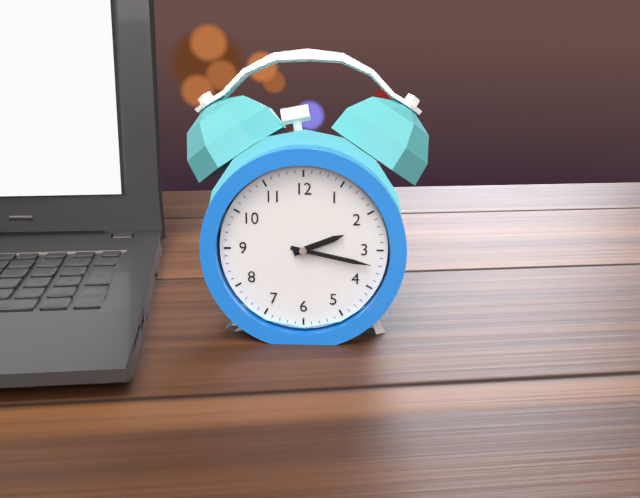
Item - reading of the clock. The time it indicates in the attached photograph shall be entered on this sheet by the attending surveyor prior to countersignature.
2:17
